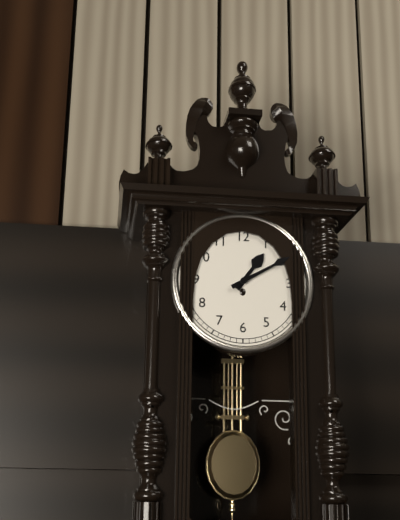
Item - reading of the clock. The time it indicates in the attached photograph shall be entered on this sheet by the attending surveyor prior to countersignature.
1:10
